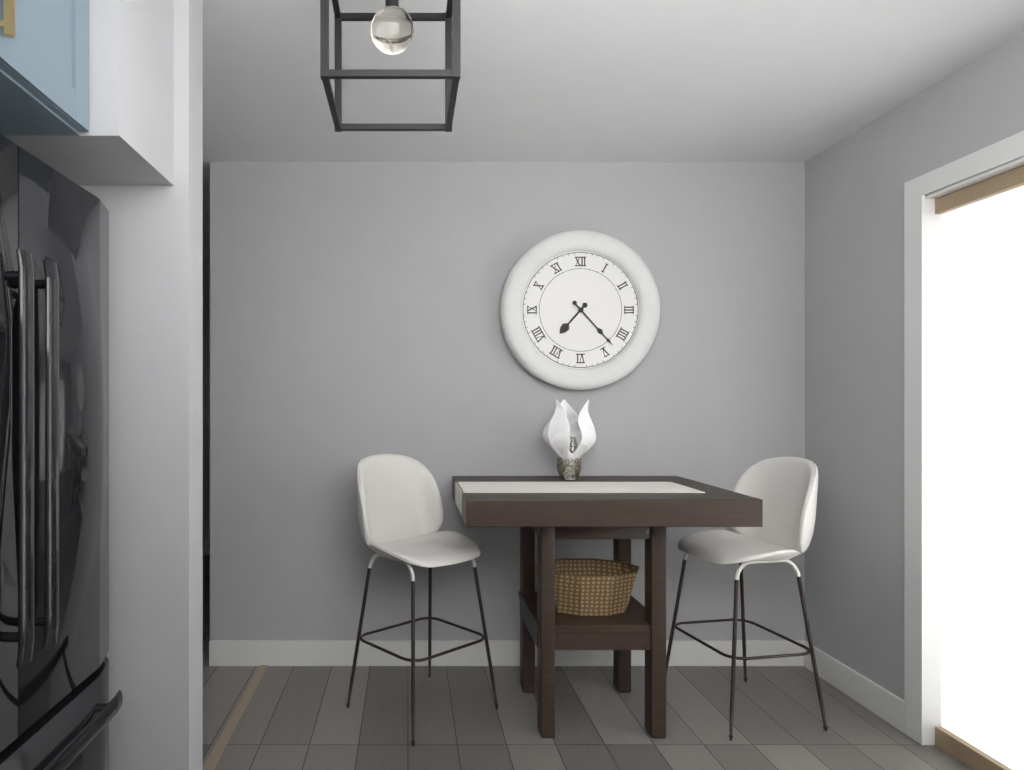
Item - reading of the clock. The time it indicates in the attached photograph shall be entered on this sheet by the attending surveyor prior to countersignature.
7:23
